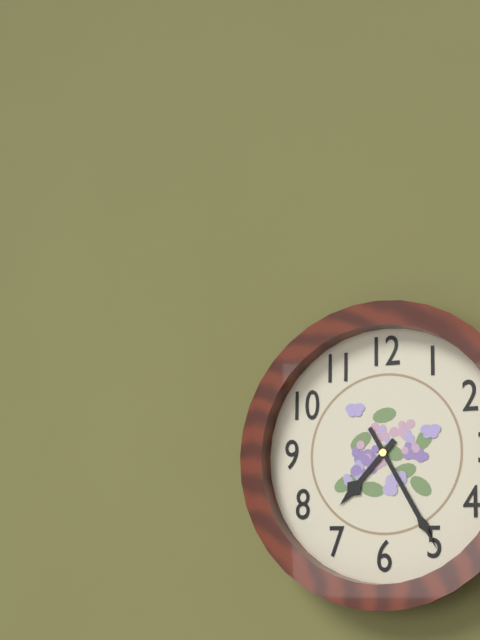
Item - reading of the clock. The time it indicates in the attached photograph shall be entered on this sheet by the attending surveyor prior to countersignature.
7:25
